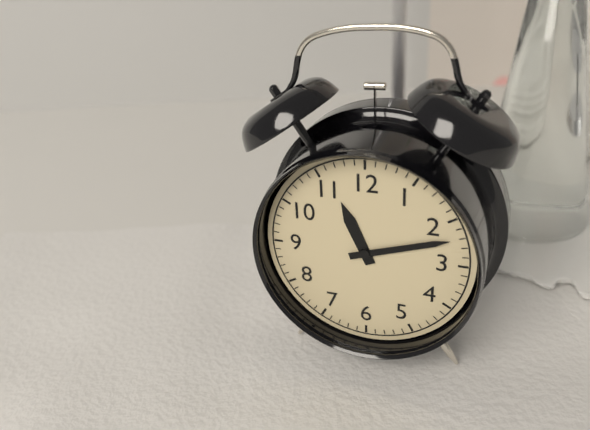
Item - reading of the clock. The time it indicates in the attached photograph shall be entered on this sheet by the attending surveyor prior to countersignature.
11:12
